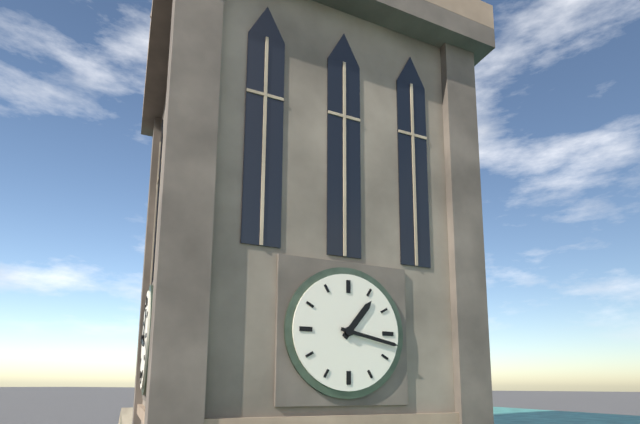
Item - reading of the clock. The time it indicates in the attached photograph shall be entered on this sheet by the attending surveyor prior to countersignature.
1:17
